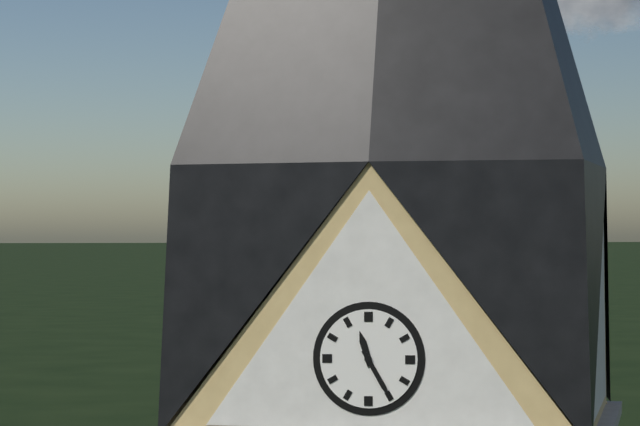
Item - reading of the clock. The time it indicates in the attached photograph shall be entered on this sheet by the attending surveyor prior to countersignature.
11:25
